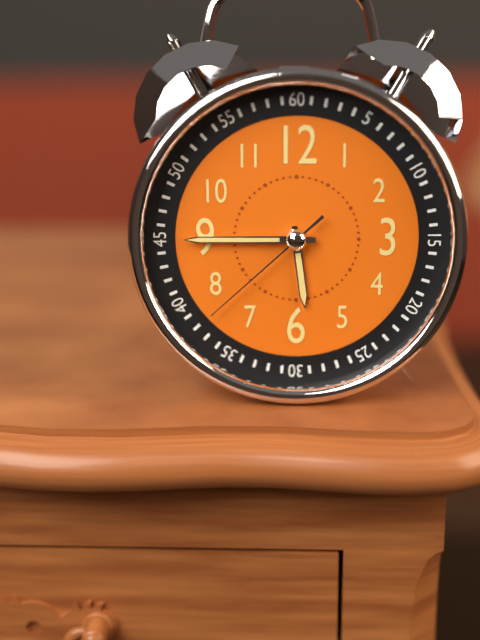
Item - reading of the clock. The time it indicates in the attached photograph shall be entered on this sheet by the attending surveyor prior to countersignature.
5:45:38
